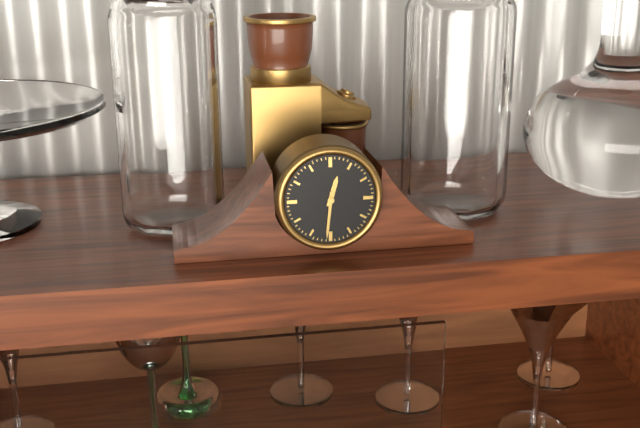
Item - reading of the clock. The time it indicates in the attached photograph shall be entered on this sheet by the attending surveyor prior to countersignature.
12:31
